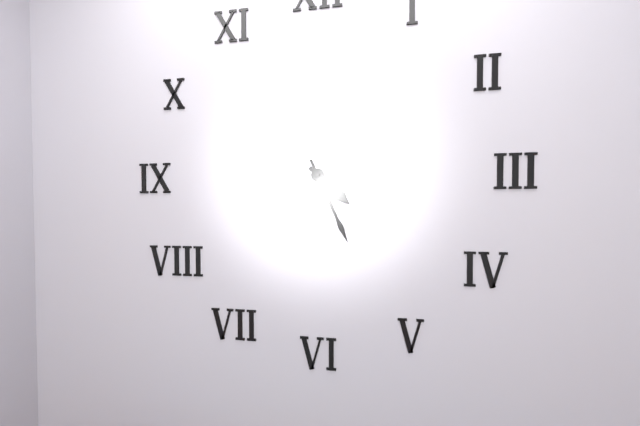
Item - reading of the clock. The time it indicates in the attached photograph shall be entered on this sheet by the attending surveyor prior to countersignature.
4:26
